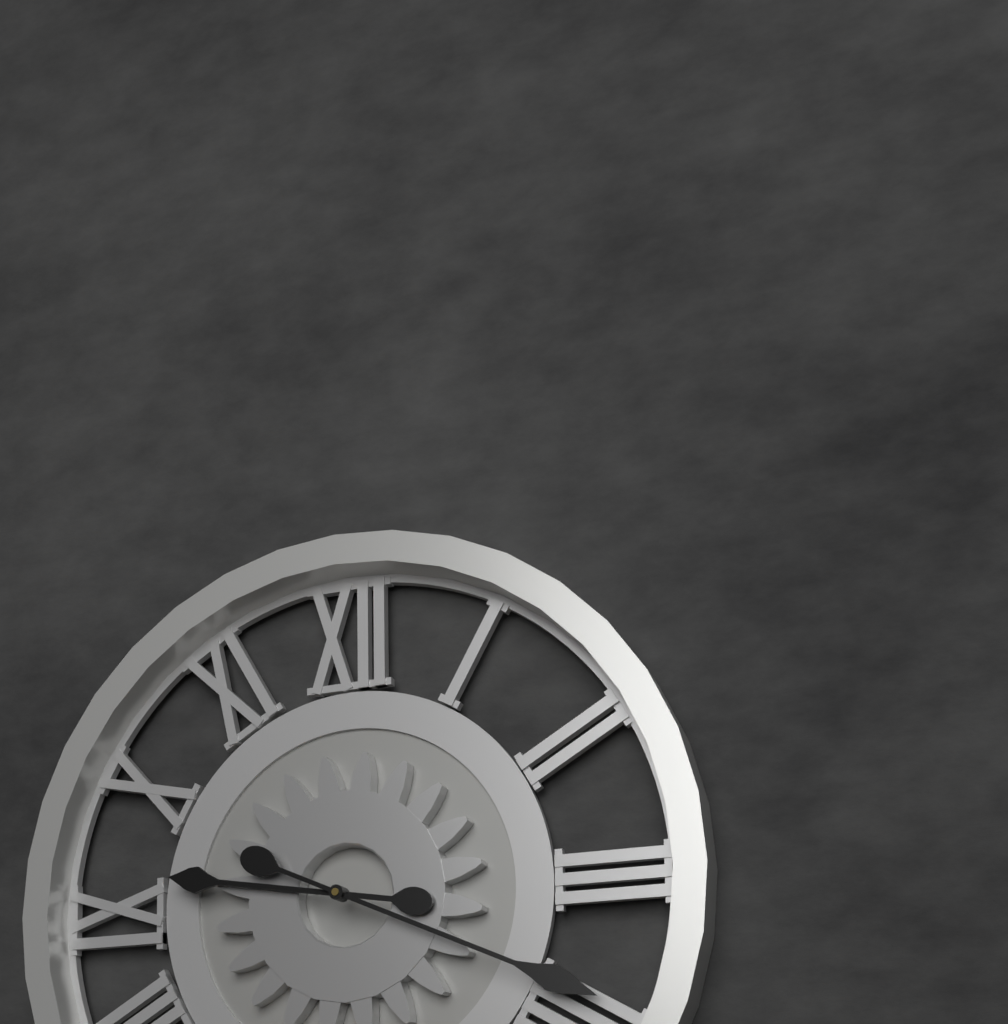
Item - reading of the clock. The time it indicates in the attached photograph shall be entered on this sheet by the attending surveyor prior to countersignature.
9:19
